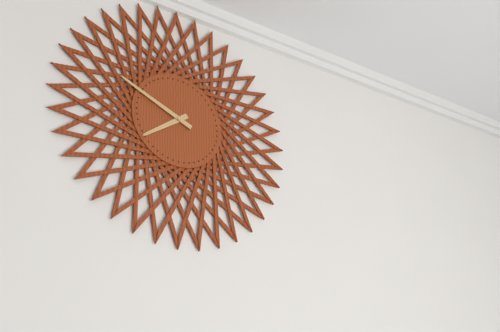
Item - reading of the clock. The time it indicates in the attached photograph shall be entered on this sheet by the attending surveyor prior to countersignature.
7:49
